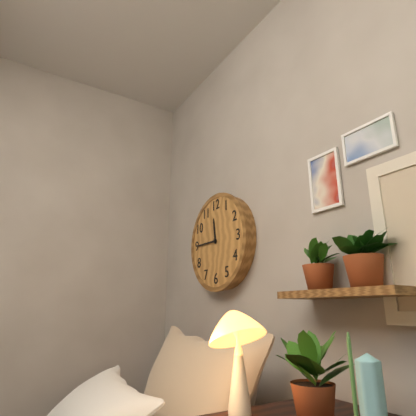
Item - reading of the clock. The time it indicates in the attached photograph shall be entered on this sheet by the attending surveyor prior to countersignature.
11:45
